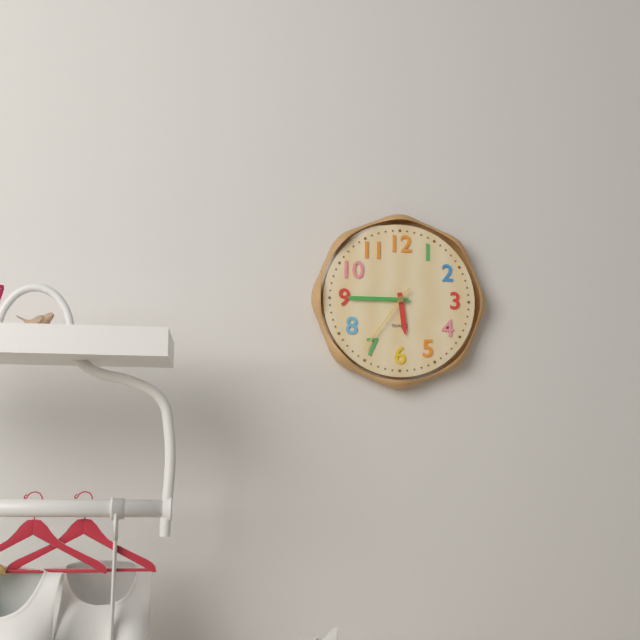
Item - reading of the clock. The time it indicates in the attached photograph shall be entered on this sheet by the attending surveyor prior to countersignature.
5:45:36
